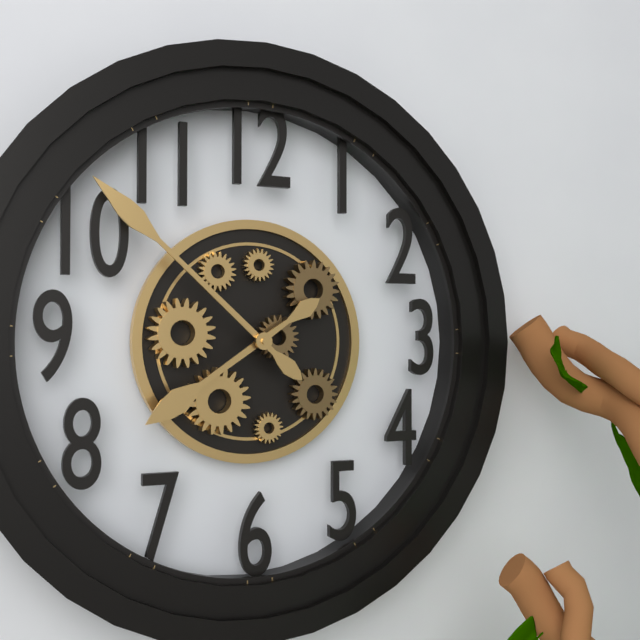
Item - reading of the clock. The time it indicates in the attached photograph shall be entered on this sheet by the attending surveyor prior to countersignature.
7:52
